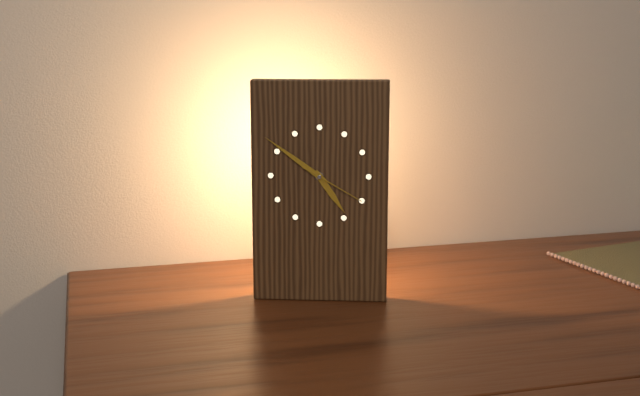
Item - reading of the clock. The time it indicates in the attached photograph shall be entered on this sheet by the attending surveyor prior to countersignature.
4:51:20
